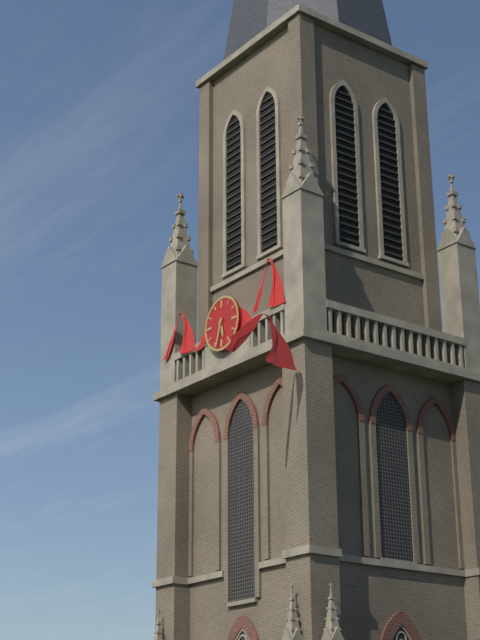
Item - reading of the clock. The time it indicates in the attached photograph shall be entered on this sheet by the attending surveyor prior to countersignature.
5:33
